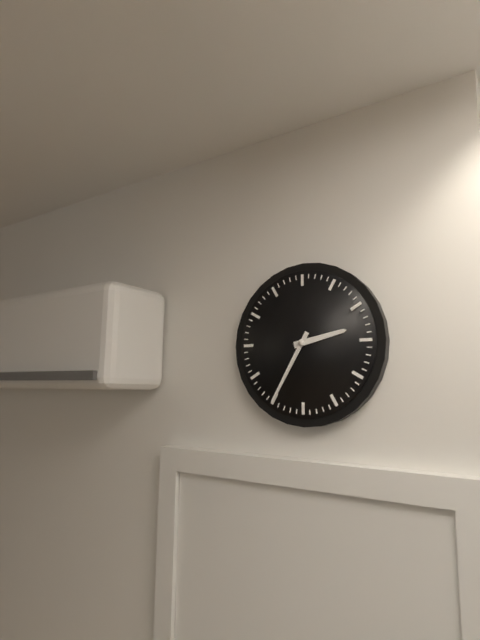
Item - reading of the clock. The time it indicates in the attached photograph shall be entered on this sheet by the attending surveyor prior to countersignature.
2:35
